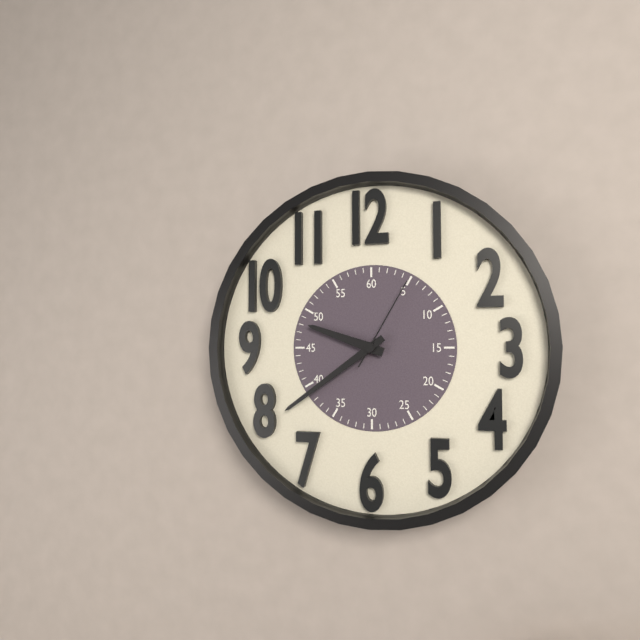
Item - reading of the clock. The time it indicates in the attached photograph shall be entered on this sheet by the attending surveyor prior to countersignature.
9:39:05
